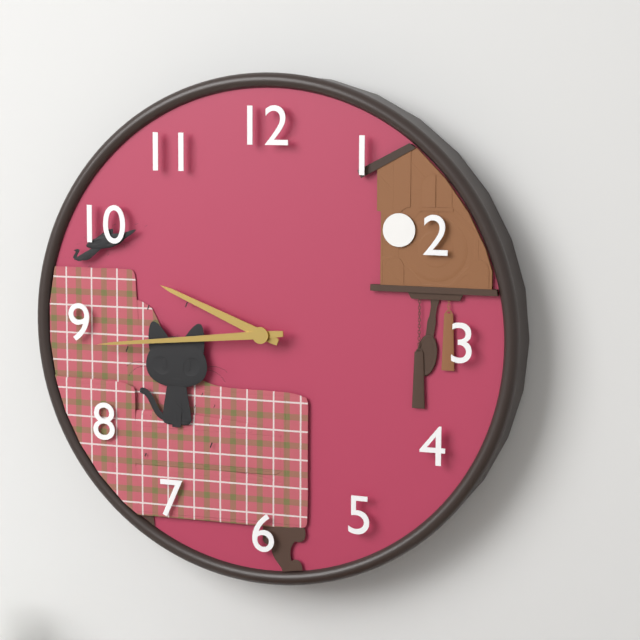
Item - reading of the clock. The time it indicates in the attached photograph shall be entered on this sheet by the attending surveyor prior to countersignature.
9:44
